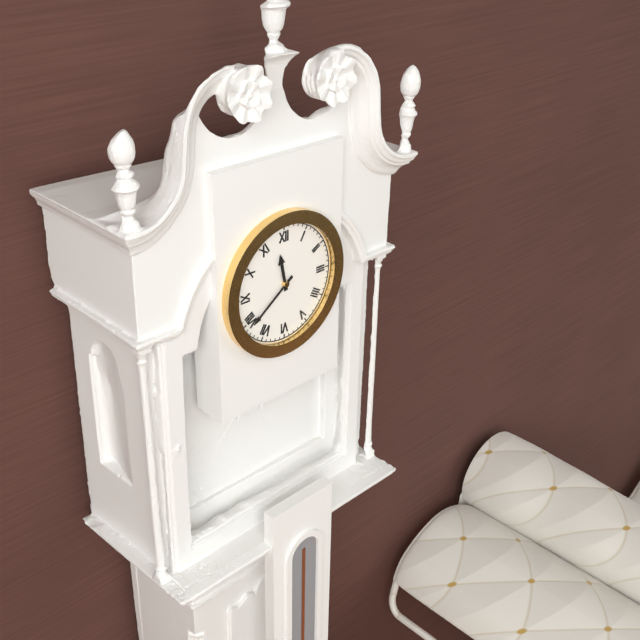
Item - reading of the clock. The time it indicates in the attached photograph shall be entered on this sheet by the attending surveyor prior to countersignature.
11:39
